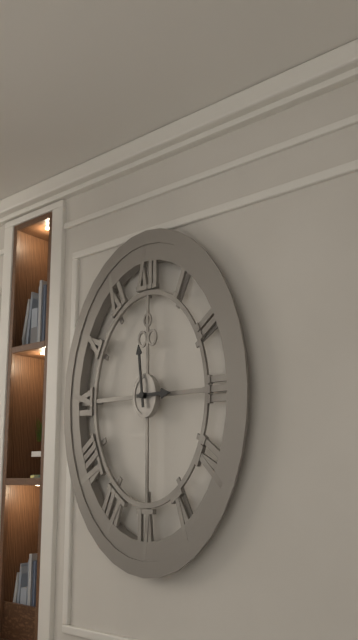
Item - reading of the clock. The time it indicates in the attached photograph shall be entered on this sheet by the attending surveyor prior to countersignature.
2:59
